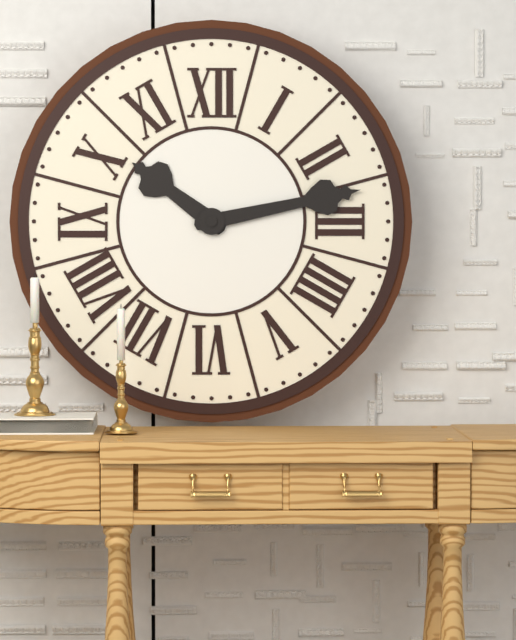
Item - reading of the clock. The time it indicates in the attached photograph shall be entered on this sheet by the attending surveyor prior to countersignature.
10:13
